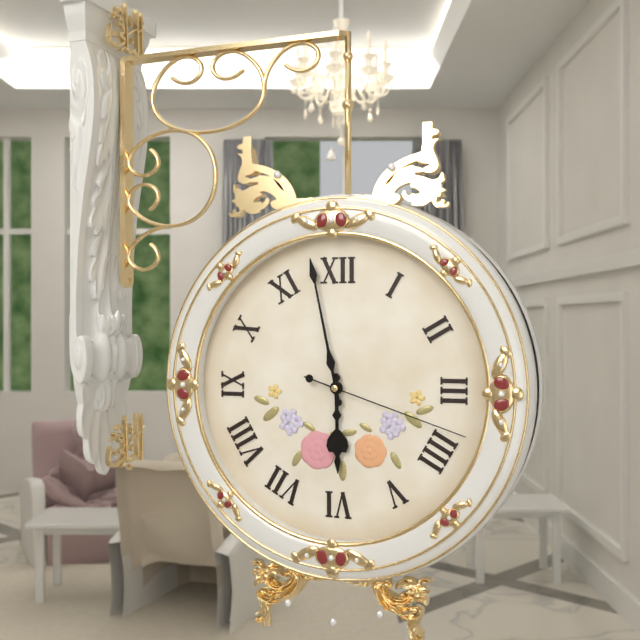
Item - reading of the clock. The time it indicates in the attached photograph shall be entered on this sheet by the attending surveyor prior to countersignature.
5:58:18
